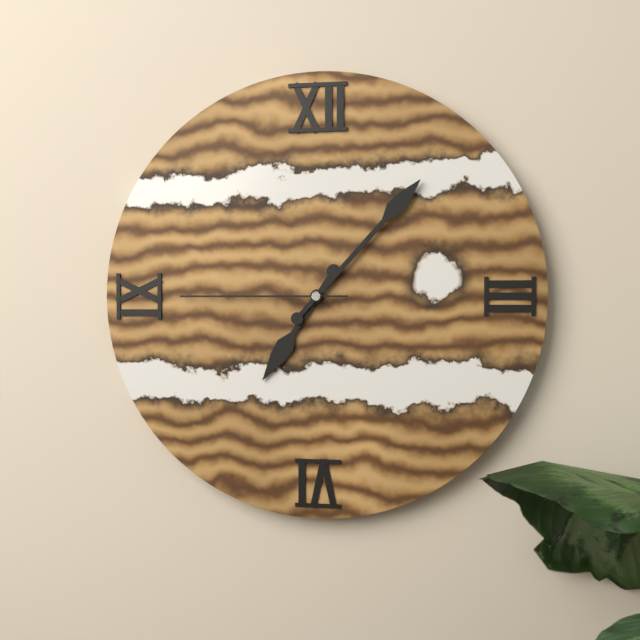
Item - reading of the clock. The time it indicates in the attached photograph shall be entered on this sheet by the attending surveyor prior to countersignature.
7:07:45
